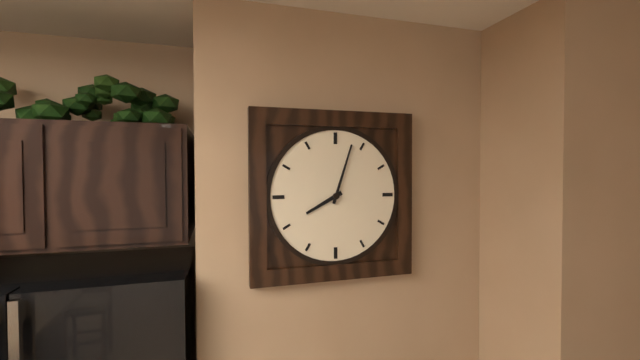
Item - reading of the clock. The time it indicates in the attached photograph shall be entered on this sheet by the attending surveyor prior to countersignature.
8:03
